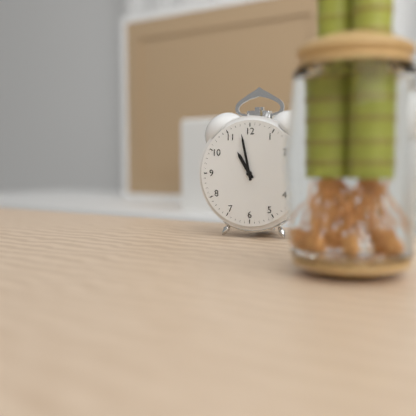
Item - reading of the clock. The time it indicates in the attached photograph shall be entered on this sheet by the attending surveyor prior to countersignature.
10:58
